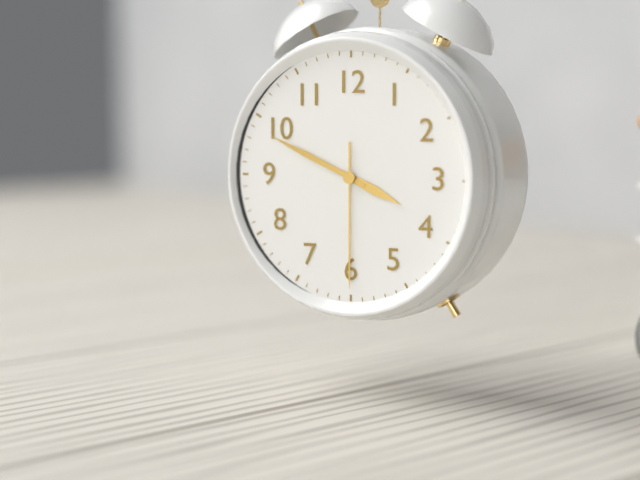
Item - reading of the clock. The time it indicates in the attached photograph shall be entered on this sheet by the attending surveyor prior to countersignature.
3:49:30
